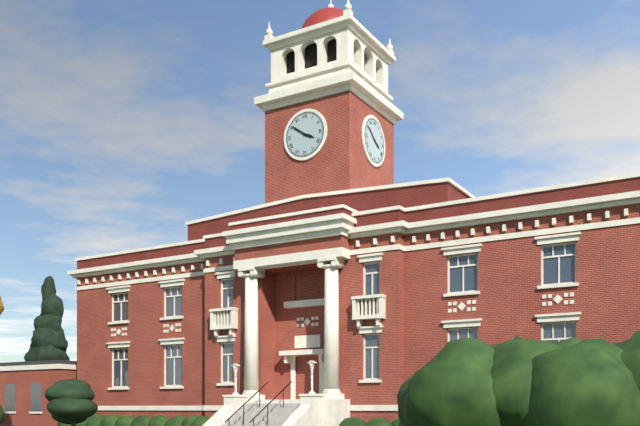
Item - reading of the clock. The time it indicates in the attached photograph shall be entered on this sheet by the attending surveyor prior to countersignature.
3:51
